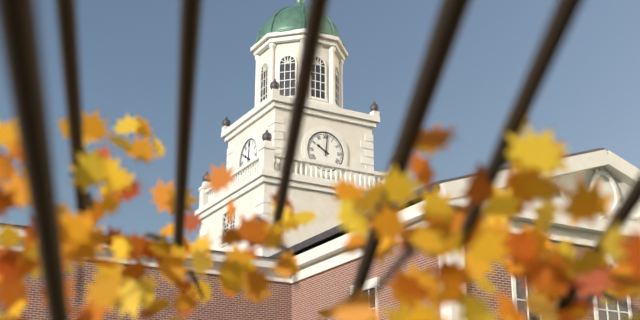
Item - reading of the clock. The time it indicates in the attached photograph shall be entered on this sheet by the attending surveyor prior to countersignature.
10:01
